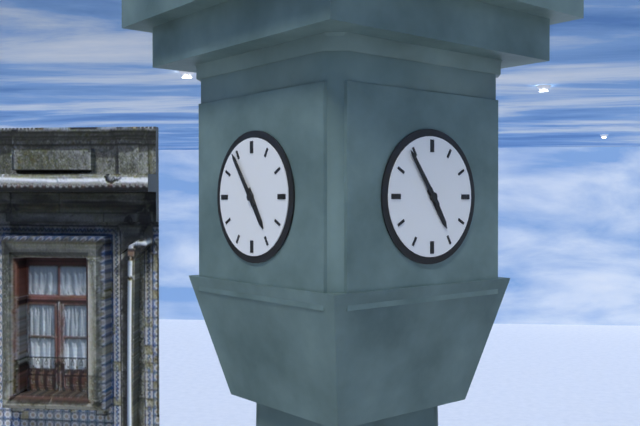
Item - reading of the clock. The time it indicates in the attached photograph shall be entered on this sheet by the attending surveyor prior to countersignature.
4:54
